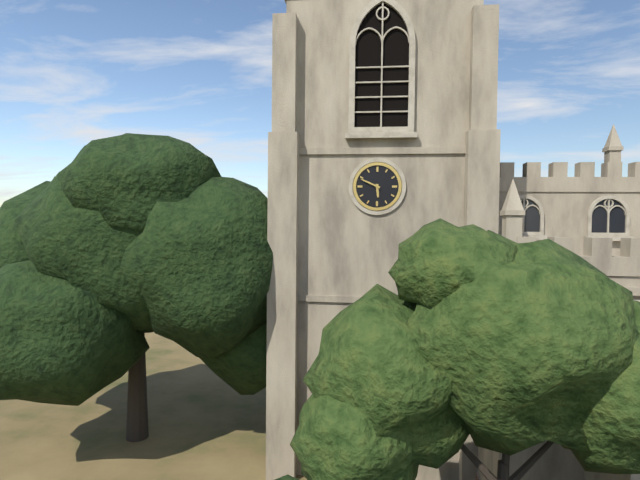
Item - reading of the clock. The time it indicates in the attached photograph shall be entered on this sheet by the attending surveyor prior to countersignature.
5:49
